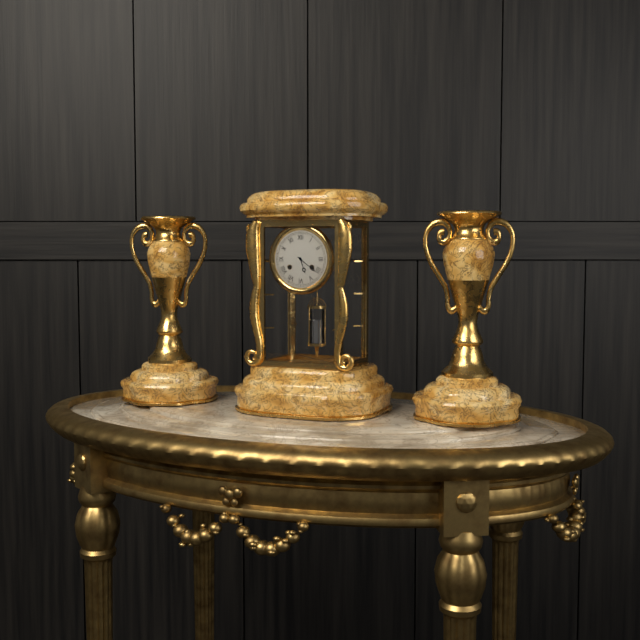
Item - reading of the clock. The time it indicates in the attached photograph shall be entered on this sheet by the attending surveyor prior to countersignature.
5:21
